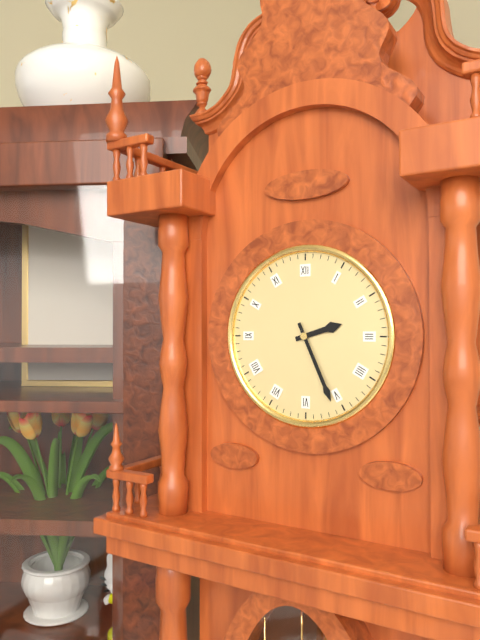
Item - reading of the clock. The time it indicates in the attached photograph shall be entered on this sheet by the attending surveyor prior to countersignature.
2:26
